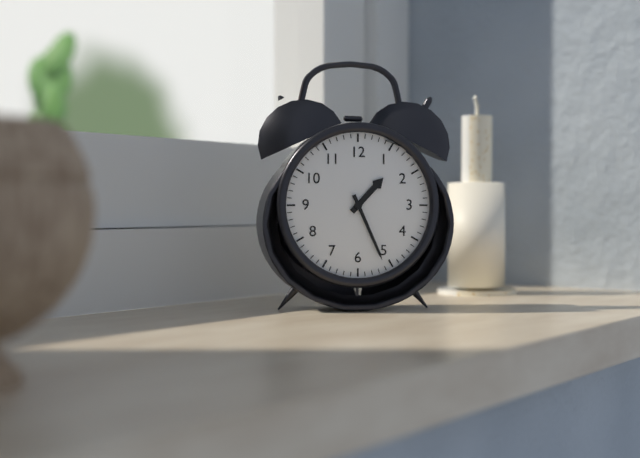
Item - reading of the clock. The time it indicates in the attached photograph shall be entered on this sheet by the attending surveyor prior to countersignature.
1:26
